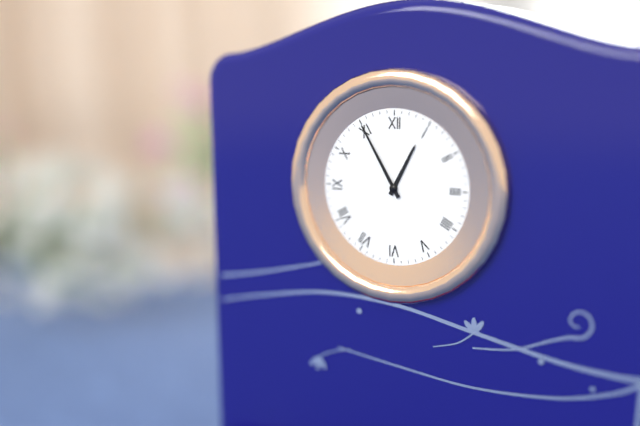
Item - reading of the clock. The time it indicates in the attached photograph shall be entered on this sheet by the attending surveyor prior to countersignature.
12:55
